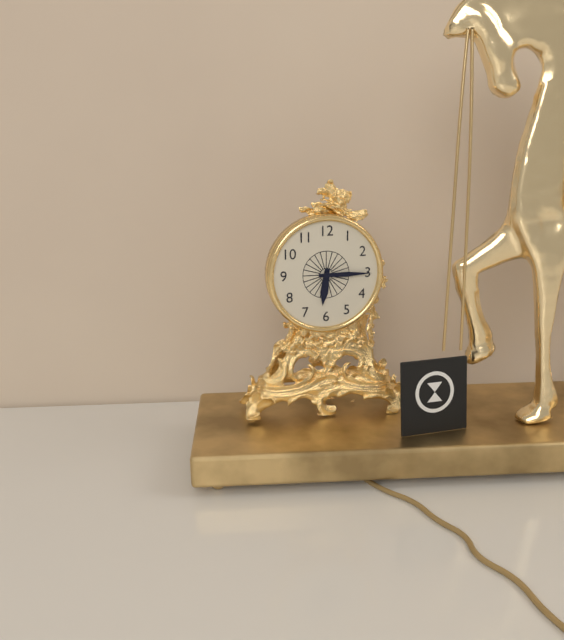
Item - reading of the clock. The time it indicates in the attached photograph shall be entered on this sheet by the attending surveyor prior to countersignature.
6:15
